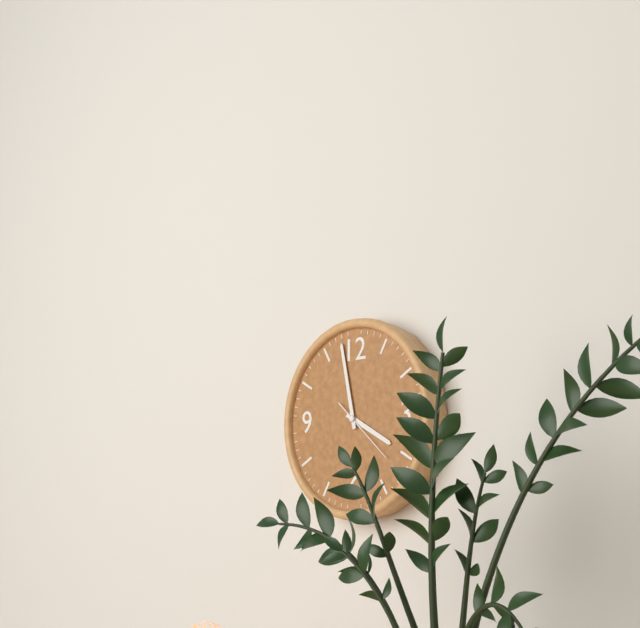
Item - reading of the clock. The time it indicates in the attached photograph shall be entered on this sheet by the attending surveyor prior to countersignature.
3:58
